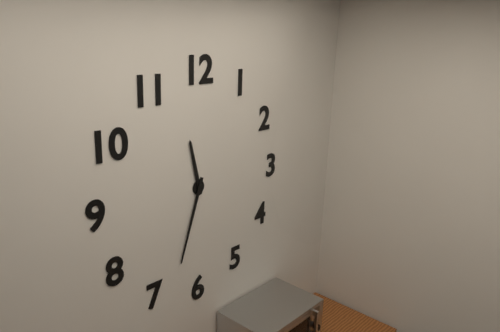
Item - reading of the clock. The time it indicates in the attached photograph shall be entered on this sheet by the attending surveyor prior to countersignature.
11:33
